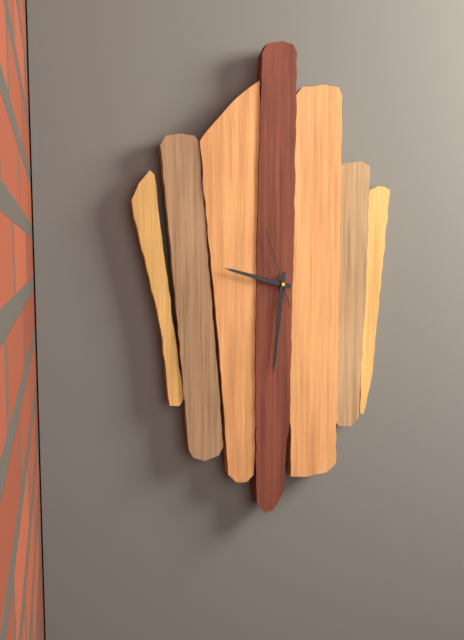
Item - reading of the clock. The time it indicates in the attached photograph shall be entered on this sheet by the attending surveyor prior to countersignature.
9:31:57
